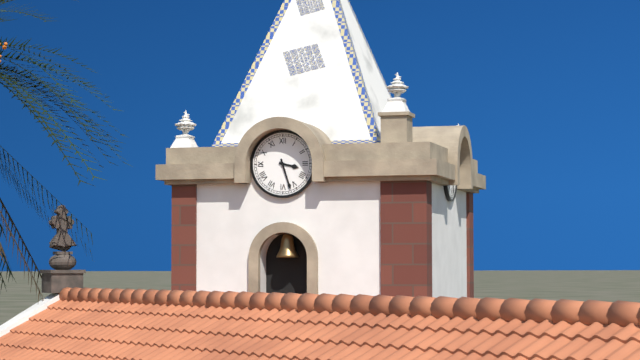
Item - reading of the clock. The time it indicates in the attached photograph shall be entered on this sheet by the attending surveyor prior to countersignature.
3:27
